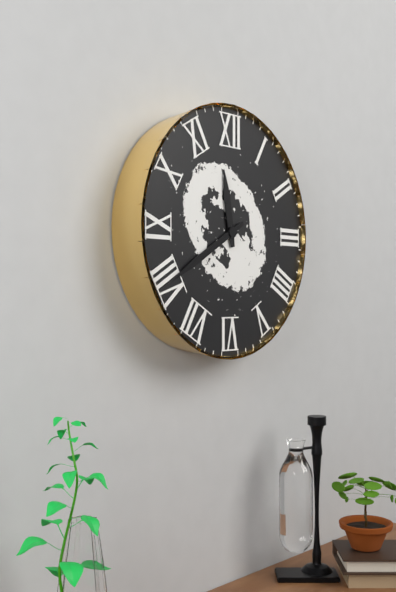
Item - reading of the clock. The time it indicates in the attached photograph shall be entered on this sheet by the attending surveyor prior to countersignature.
11:40
